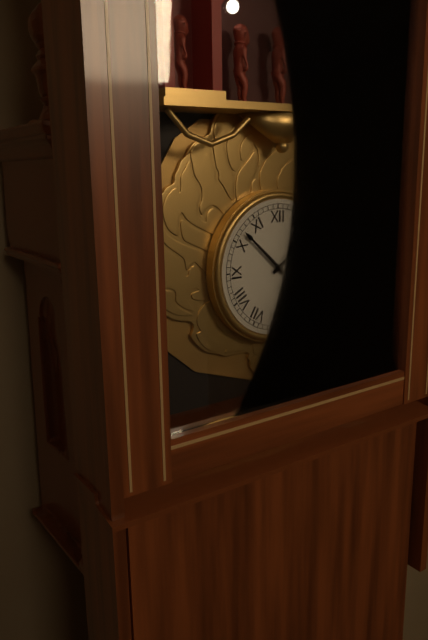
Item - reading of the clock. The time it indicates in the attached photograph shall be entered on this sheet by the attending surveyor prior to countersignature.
1:52
